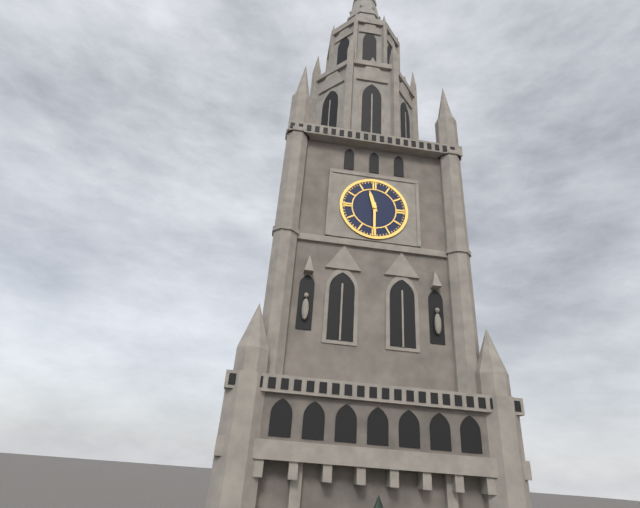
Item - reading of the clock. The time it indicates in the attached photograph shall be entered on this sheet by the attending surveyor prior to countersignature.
11:30
